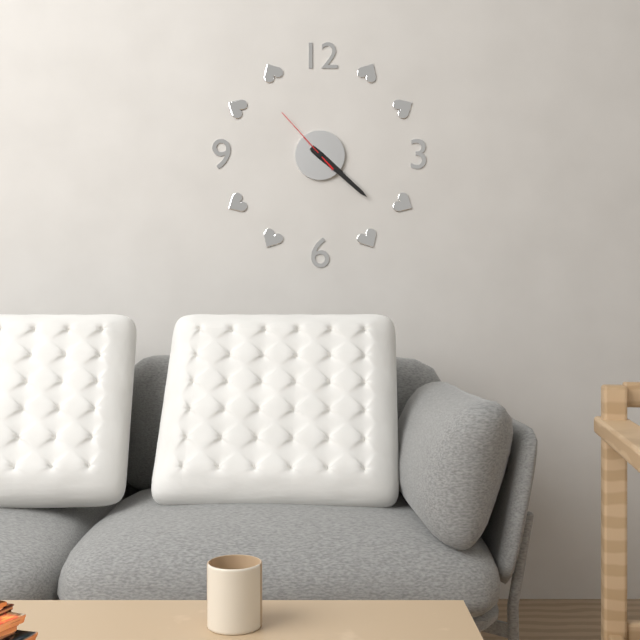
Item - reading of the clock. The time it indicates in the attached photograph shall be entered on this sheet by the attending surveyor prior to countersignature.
4:22:53
